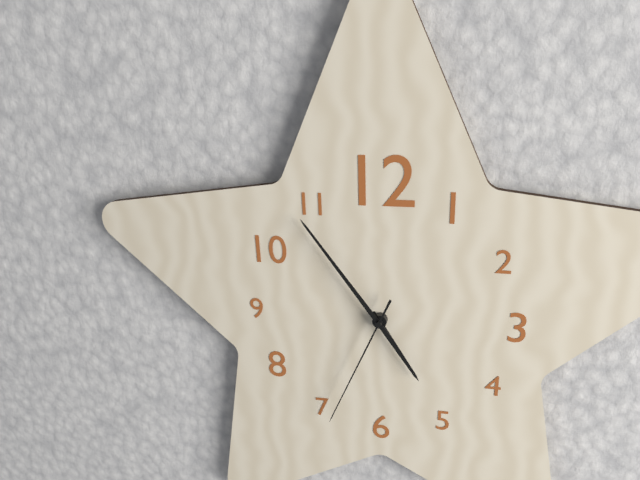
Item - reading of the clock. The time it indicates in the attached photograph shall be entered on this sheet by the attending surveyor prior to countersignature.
4:54:34
